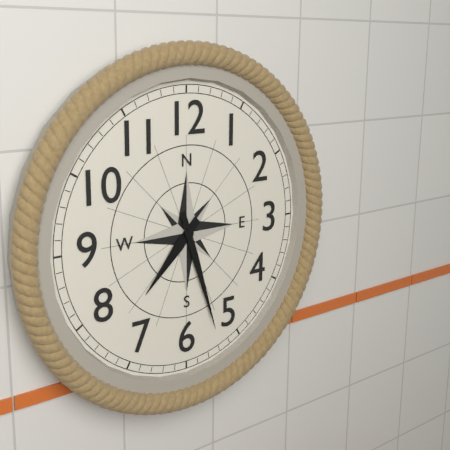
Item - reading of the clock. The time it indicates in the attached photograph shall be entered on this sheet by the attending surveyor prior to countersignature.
7:27
